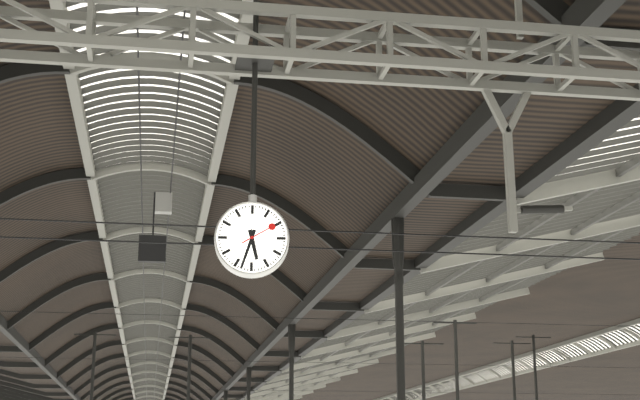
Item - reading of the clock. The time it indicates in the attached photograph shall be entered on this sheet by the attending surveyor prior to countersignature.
5:33
